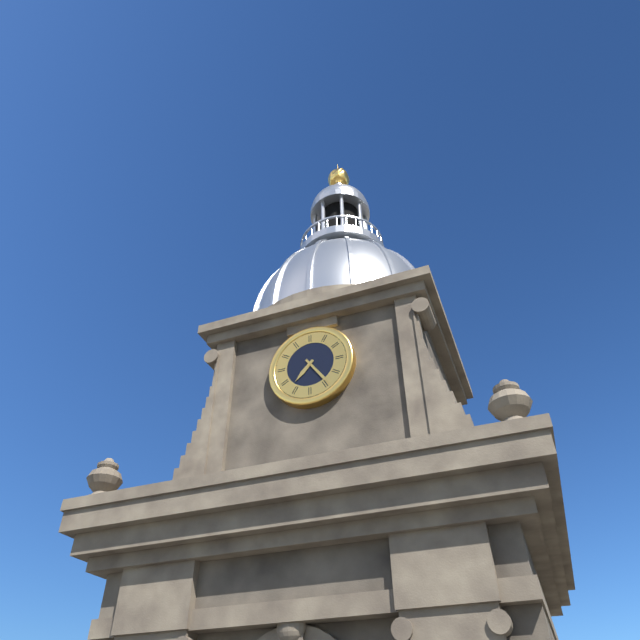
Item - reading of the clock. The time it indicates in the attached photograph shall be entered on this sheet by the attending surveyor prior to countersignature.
7:24
